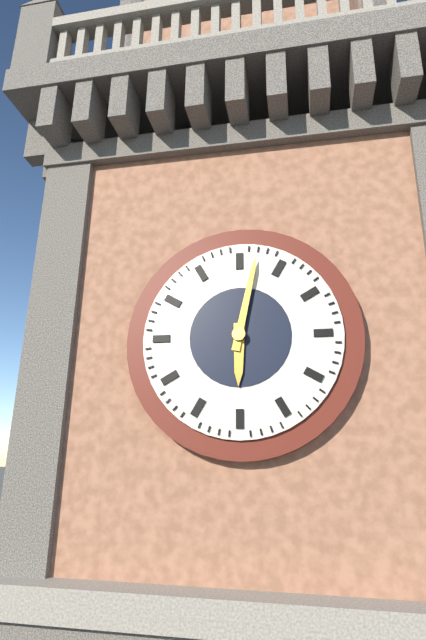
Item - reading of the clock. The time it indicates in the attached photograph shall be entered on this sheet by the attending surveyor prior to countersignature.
6:02
